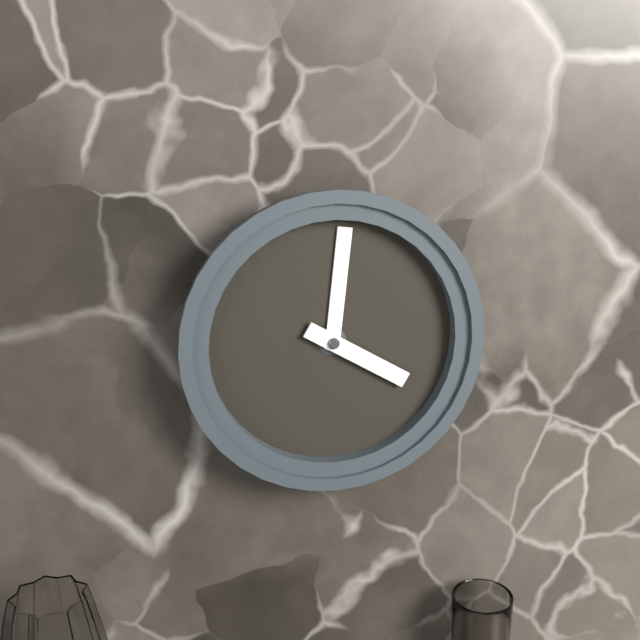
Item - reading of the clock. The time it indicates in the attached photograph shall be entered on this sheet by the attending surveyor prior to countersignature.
4:01
